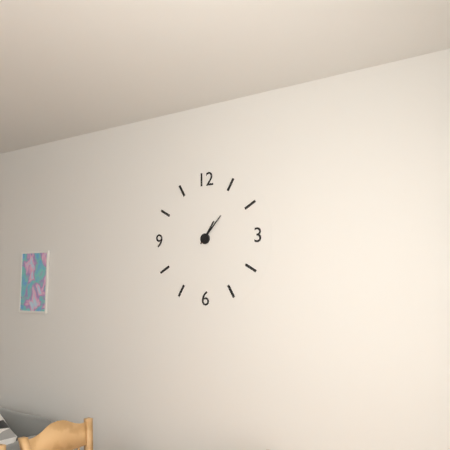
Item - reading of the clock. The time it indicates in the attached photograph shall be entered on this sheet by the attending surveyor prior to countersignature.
1:07
